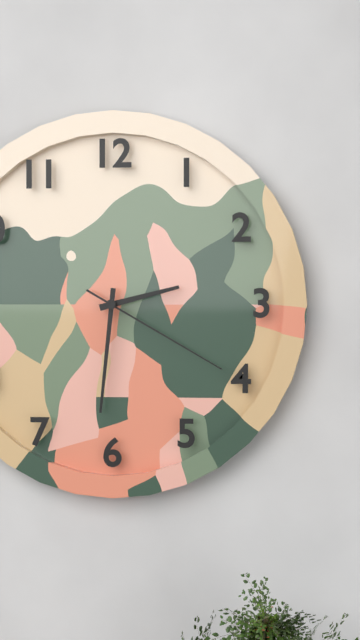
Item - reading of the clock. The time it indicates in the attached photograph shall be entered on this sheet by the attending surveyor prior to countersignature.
2:31:20
